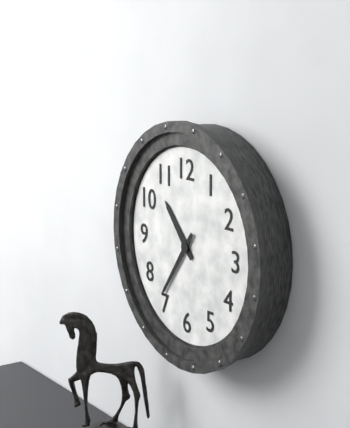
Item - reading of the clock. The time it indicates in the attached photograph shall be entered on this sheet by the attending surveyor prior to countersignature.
10:36
